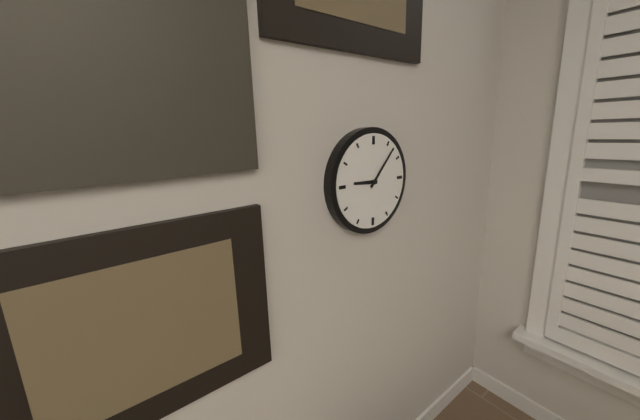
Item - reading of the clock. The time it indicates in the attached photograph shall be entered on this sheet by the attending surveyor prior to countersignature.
9:07
